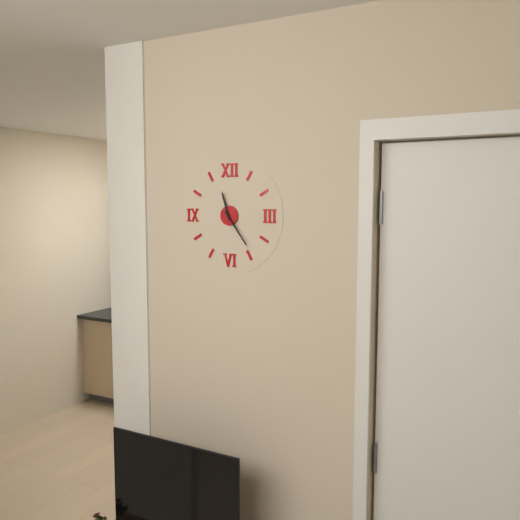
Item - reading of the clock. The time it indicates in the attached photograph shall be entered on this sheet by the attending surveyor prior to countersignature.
11:24
